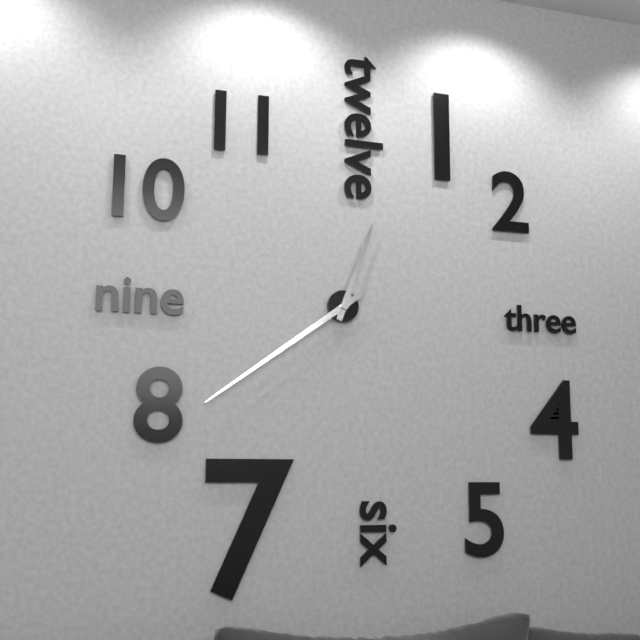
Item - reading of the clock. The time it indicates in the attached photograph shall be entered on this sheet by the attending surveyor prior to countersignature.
12:39
